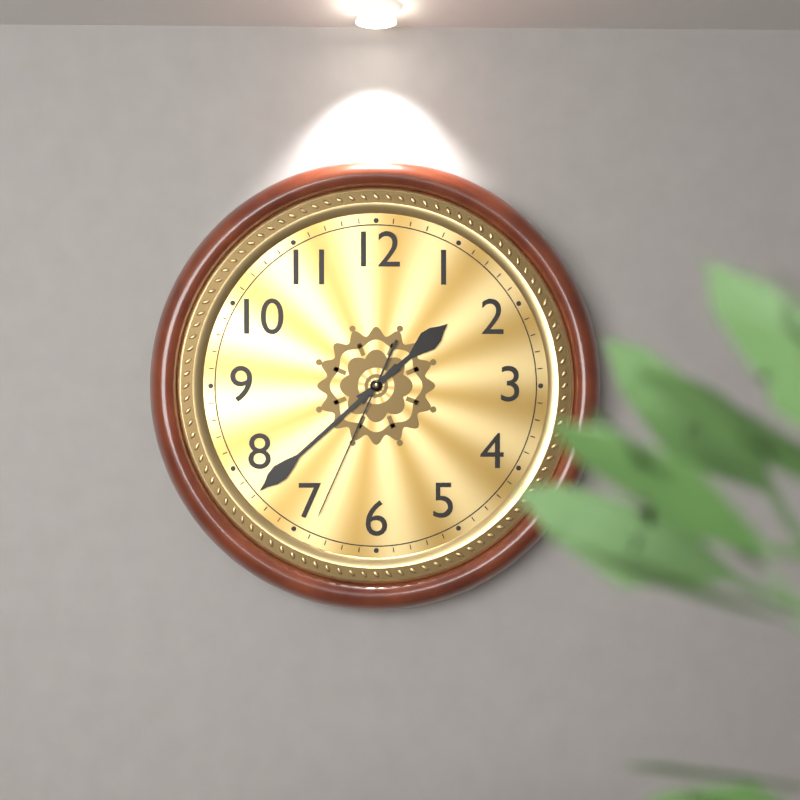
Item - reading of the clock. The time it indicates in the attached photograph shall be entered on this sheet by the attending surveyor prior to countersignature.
1:38:34
